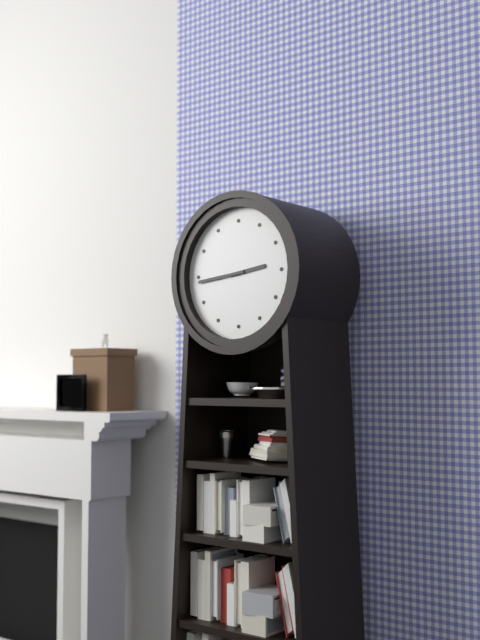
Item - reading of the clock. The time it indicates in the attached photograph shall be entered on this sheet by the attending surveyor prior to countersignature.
2:44
